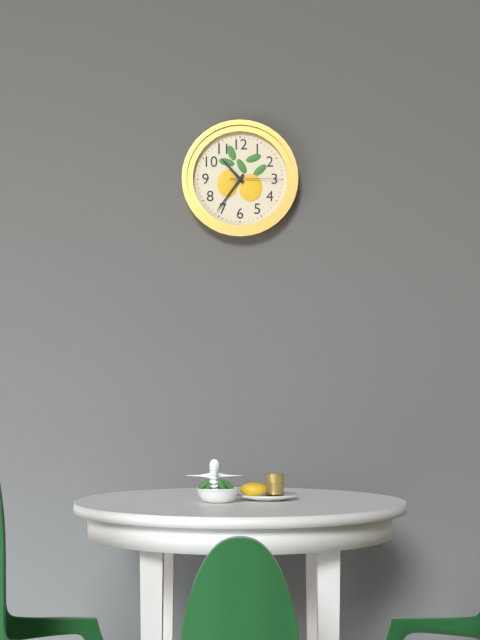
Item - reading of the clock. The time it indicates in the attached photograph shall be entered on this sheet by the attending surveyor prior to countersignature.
10:36:15
